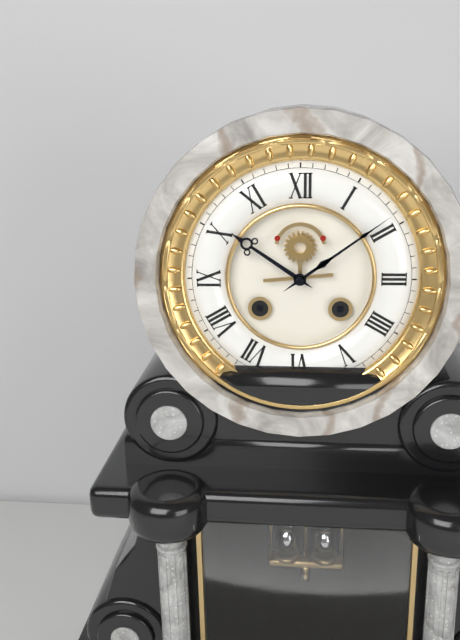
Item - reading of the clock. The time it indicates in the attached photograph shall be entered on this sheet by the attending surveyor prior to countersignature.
10:09
